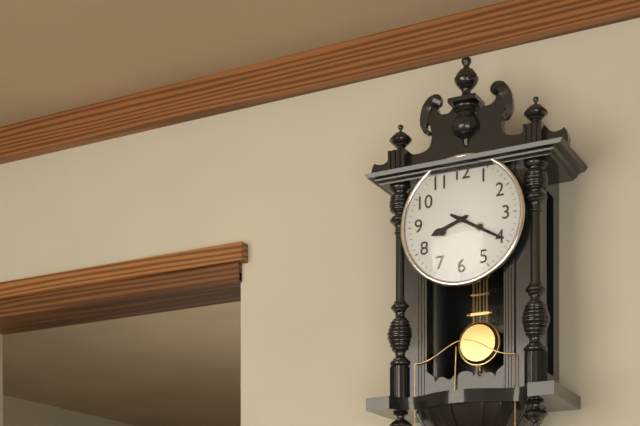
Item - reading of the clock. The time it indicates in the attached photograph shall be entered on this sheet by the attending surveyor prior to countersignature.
8:20
